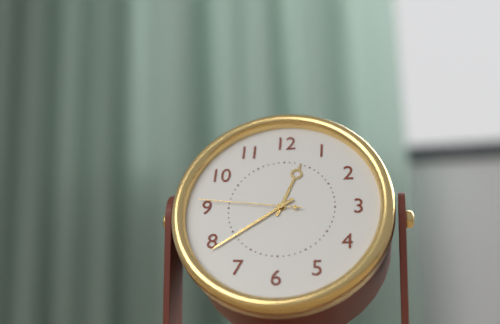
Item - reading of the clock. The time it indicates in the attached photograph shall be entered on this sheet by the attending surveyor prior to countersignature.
12:39:46
